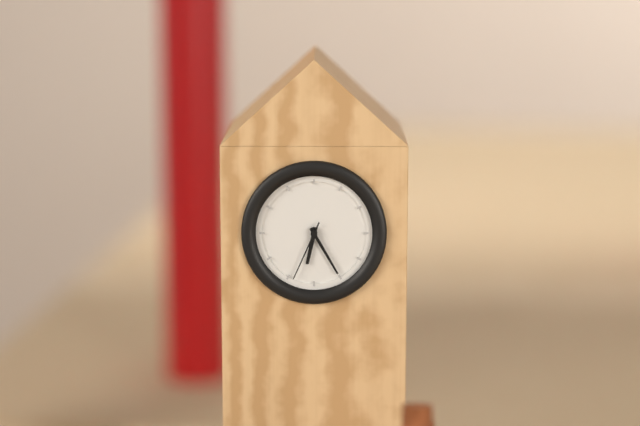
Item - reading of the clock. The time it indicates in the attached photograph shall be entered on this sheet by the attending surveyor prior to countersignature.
6:25:34
